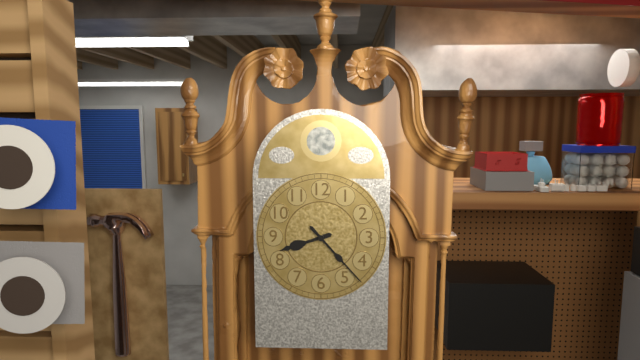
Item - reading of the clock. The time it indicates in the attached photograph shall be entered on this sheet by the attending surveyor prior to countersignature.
8:23
